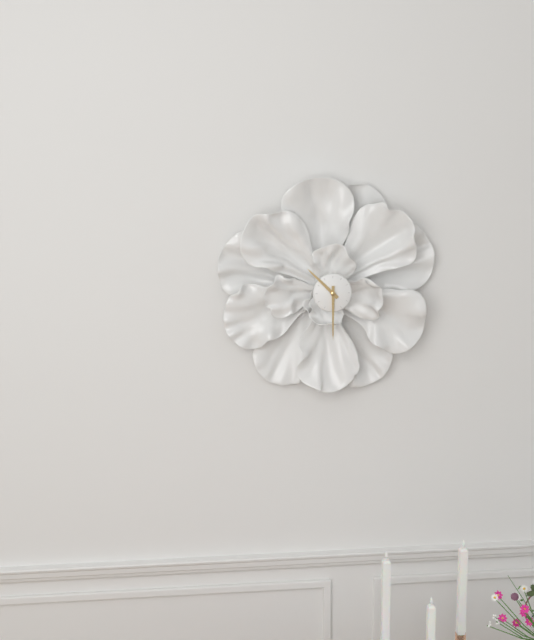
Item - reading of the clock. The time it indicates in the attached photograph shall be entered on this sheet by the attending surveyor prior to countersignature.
10:30
